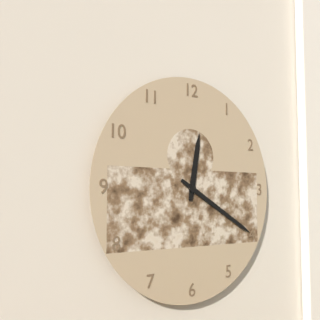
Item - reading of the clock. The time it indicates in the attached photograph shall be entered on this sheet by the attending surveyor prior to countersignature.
12:20
